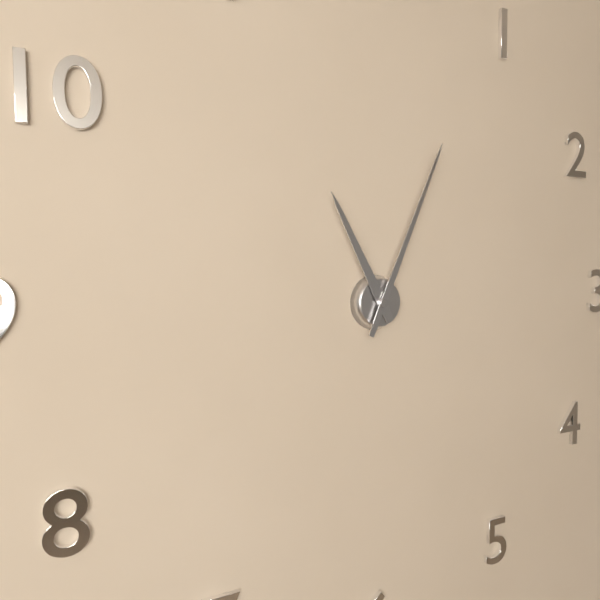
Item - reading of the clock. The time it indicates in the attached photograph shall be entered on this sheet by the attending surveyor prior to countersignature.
11:04
